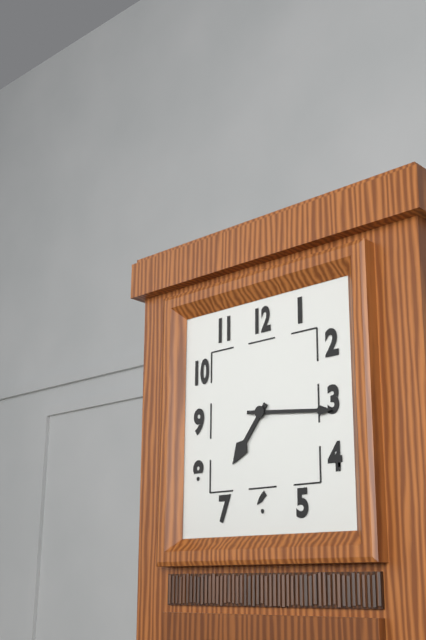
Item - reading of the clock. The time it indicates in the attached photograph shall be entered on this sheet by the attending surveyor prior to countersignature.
7:16
